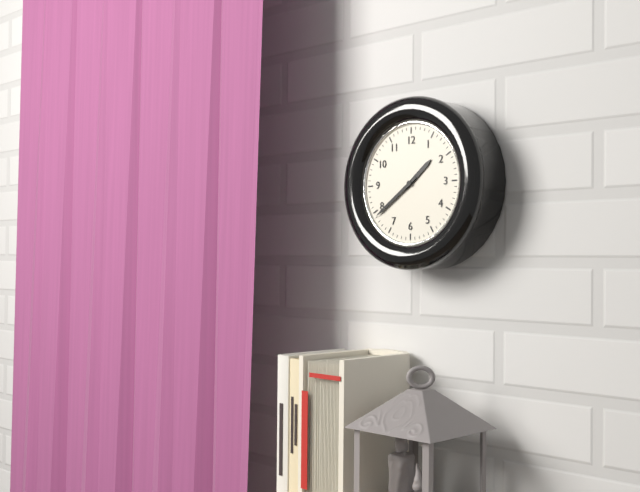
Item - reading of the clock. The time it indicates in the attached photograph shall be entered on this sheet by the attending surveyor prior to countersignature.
1:39
